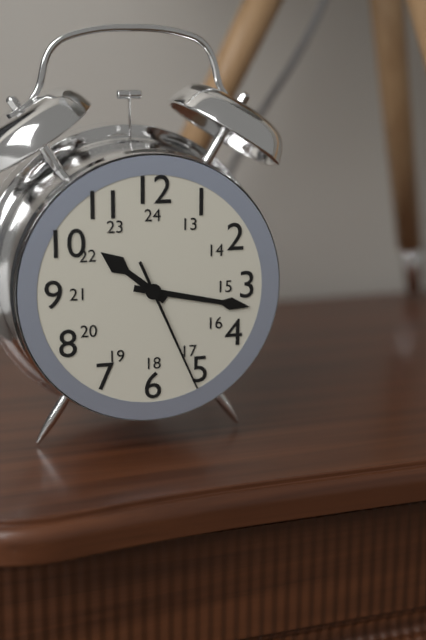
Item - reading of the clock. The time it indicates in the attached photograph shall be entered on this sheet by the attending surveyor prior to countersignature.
10:17:26
